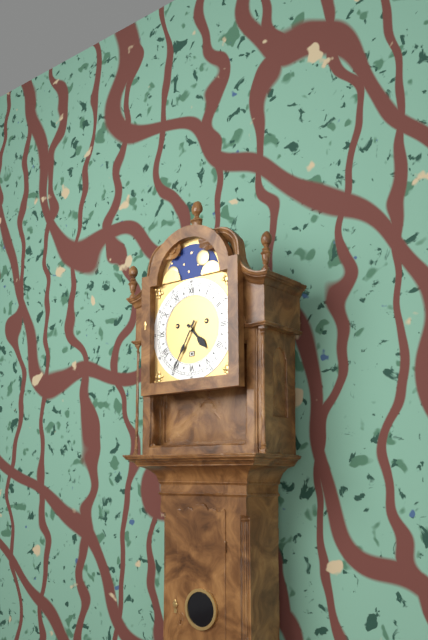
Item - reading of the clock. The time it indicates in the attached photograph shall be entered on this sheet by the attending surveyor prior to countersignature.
4:35
